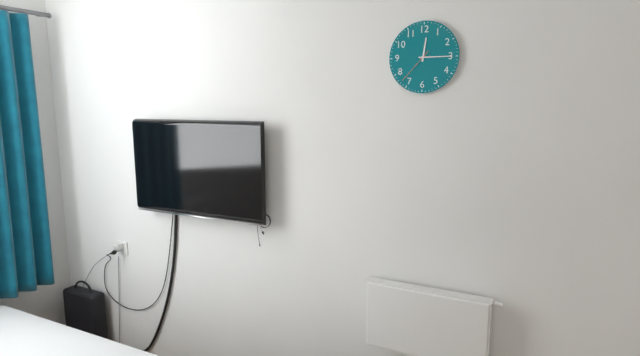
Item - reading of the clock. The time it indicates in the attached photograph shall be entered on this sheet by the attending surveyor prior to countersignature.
12:15
